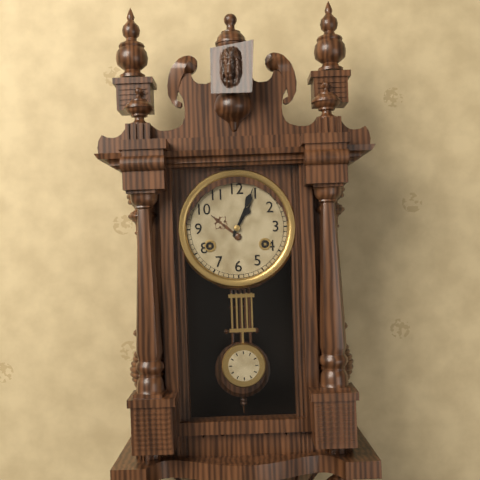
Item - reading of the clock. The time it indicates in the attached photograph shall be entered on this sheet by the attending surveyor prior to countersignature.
1:04
